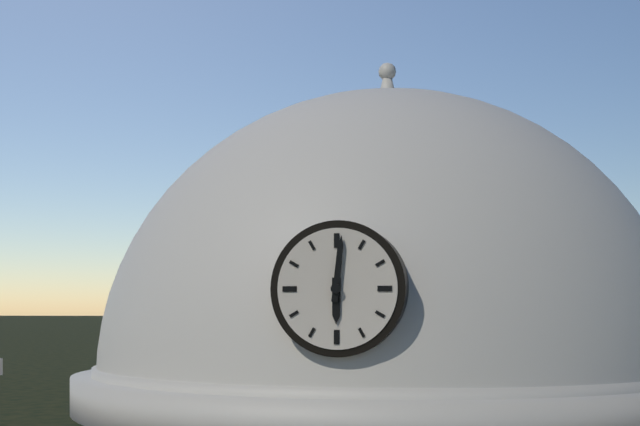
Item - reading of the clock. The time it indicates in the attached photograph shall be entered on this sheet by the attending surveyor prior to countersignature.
6:01
